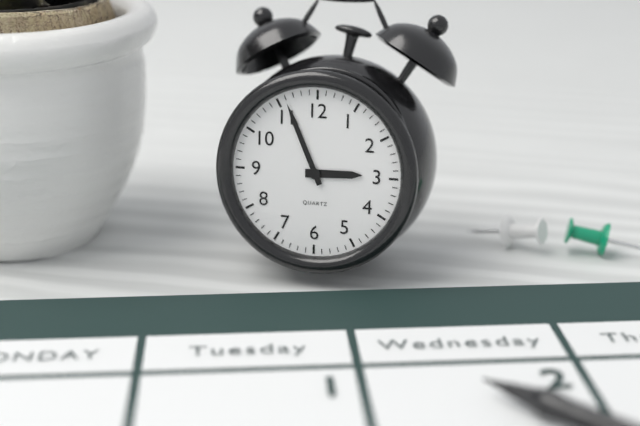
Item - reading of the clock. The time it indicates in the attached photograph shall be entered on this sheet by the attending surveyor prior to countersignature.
2:56
